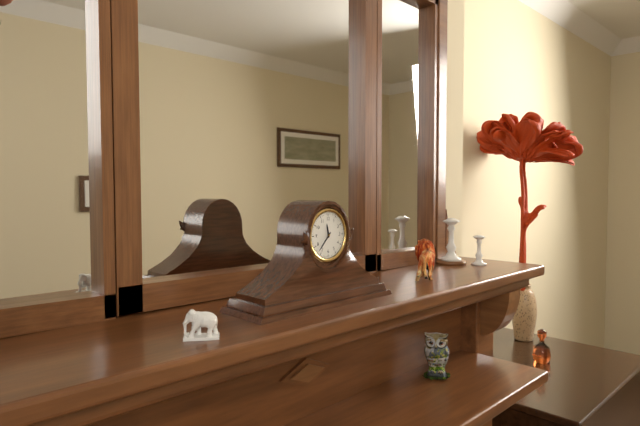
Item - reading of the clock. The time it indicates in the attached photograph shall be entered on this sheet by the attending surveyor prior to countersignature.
11:37
